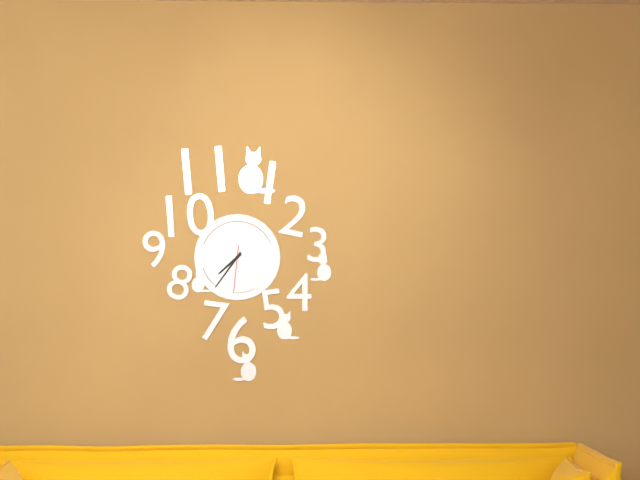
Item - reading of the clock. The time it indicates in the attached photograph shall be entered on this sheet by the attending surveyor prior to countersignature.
7:36
